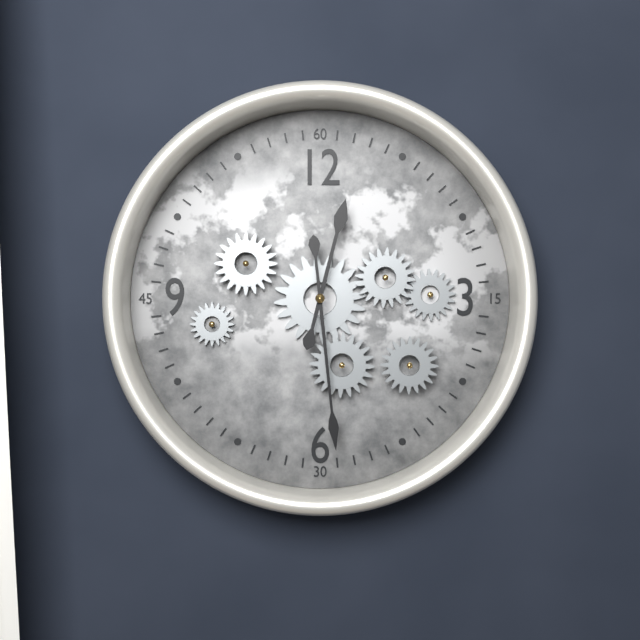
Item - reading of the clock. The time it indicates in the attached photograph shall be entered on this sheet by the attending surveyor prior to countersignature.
12:29
